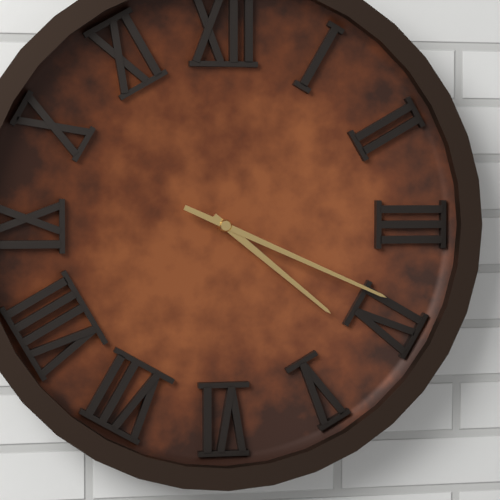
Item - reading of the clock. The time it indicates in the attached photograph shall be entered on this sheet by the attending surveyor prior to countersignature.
4:19
